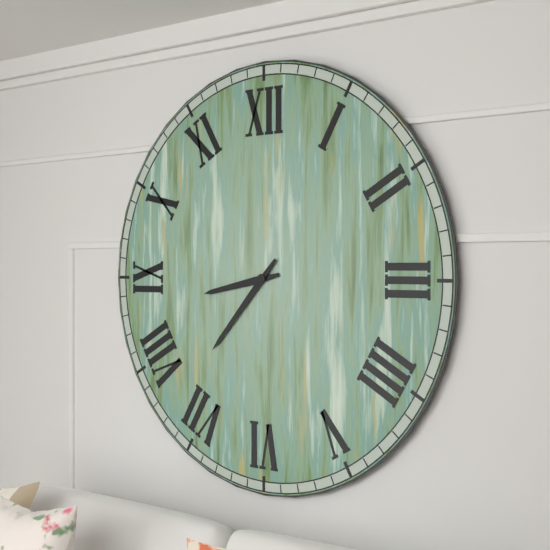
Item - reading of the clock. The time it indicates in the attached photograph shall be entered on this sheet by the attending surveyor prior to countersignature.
8:37
